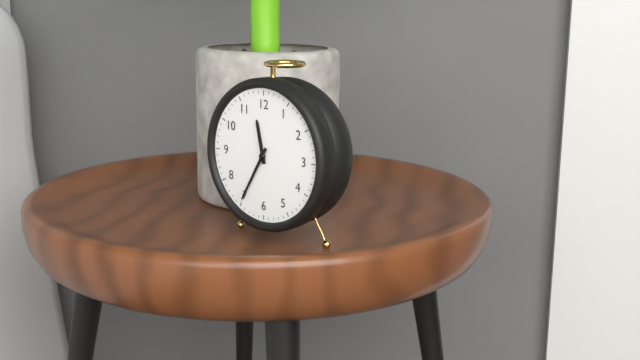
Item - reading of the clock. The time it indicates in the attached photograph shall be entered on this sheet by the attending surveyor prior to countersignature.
11:35
